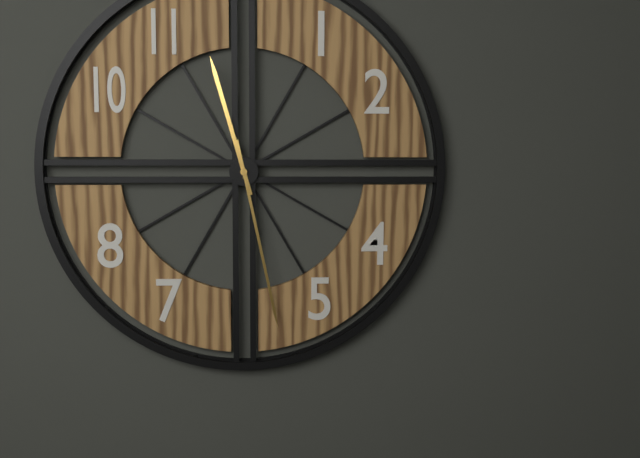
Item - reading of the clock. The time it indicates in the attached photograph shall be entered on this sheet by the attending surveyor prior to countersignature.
11:28
